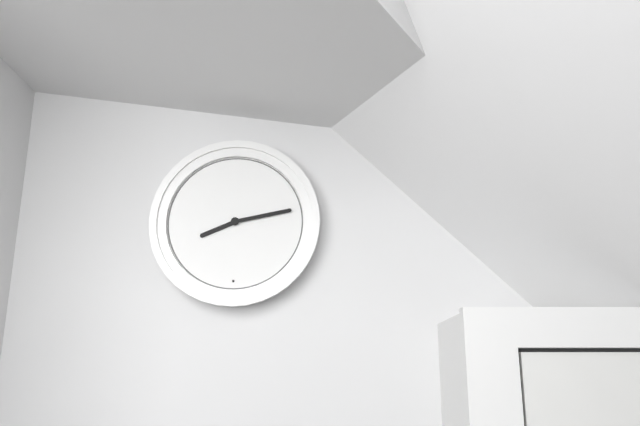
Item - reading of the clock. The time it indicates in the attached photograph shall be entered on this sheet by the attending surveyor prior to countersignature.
8:13
